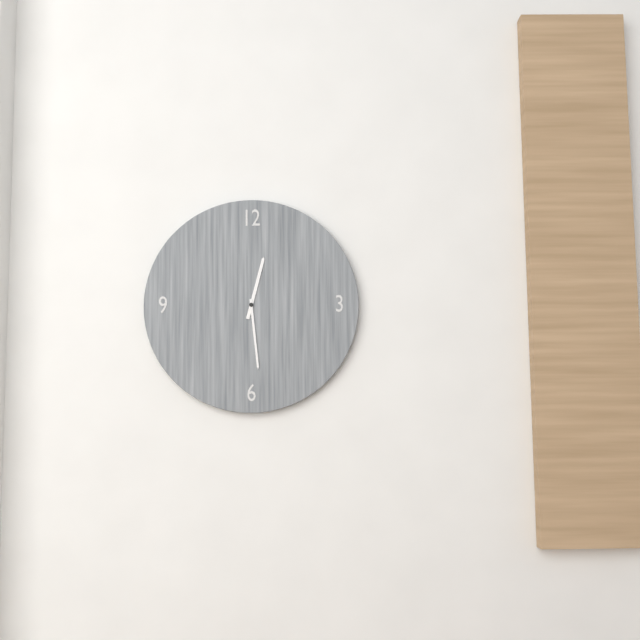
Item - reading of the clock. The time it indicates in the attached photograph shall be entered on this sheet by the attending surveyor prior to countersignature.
12:29
